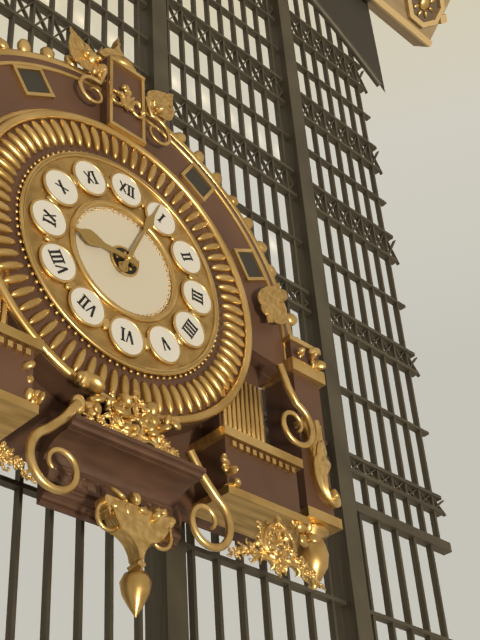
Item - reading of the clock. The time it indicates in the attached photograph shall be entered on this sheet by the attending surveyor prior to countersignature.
9:04
